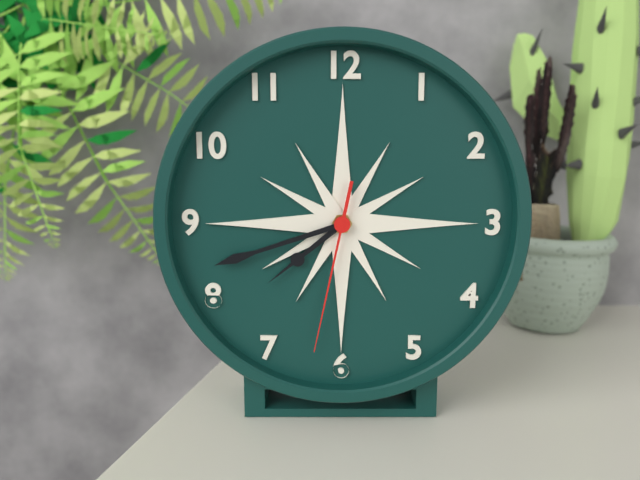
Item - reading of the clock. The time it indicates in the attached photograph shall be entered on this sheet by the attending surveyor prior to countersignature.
7:42:32
